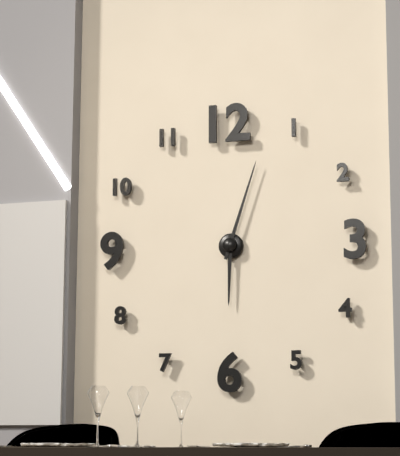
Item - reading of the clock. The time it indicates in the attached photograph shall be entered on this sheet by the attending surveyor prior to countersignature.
6:03
